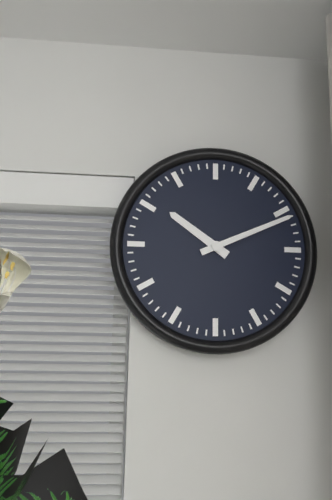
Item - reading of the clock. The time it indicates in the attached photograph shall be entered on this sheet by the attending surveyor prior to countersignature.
10:11
